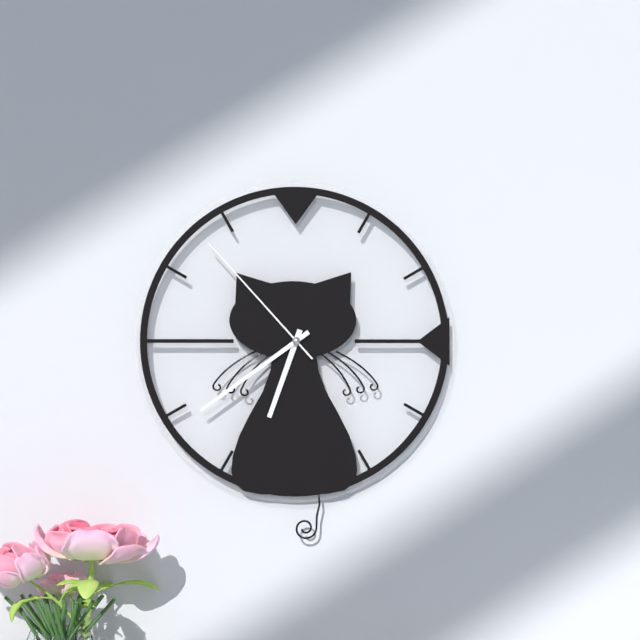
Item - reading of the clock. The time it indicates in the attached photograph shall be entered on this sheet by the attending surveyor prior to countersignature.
6:39:53
